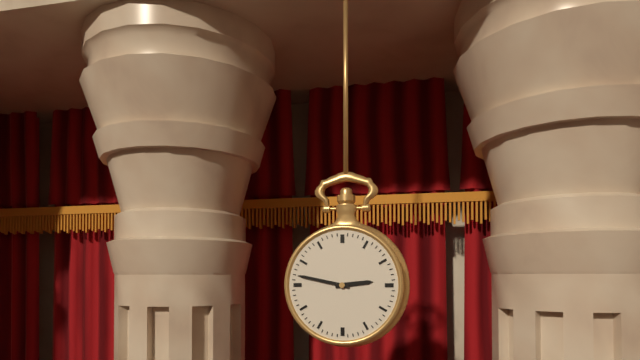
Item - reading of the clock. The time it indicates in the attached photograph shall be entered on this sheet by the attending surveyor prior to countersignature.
2:47
